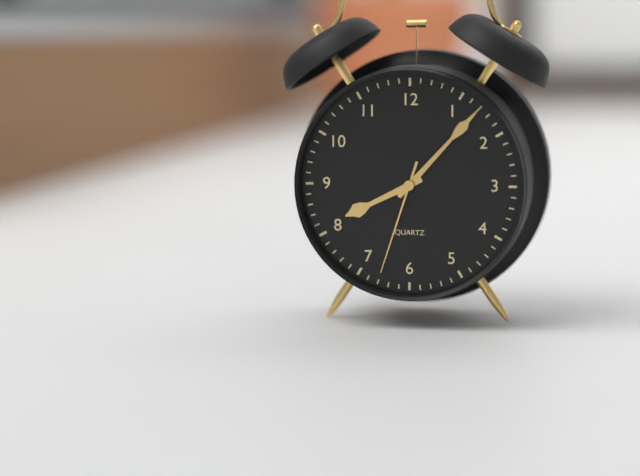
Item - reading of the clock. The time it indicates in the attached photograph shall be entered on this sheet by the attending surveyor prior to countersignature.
8:07:33
